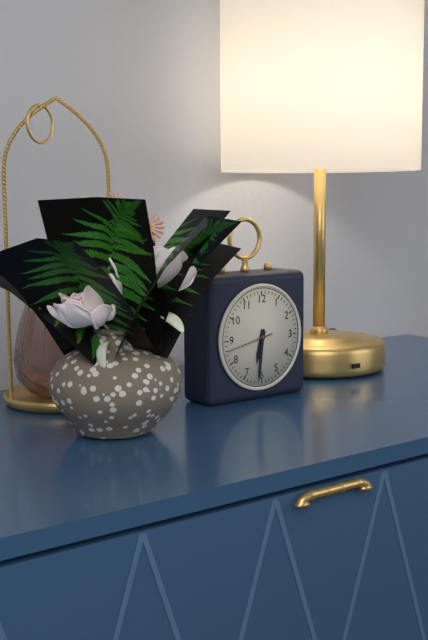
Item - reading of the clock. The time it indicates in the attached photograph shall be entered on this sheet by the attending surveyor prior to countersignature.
6:31
